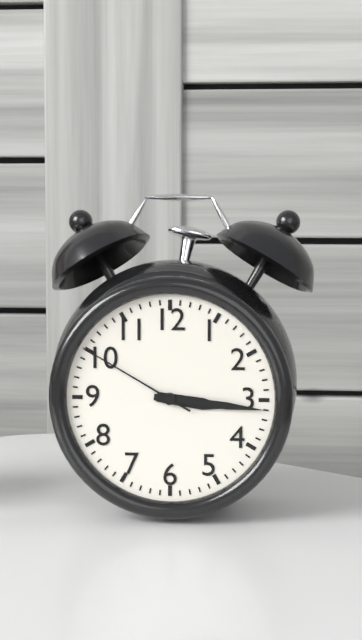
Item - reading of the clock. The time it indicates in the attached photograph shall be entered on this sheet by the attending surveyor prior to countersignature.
3:16:50
